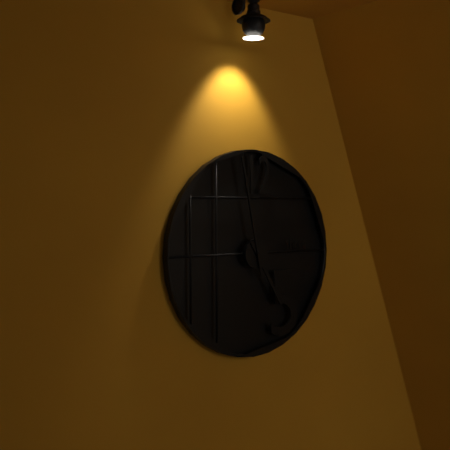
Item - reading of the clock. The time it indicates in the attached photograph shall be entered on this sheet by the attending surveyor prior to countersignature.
4:58
